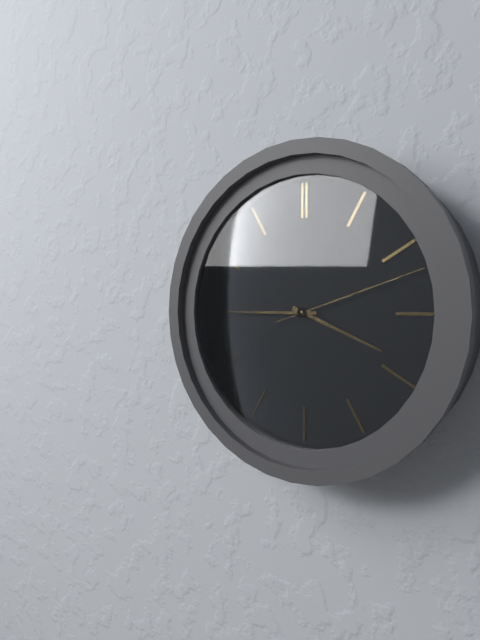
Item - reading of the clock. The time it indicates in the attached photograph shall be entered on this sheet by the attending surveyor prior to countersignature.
3:45:12
